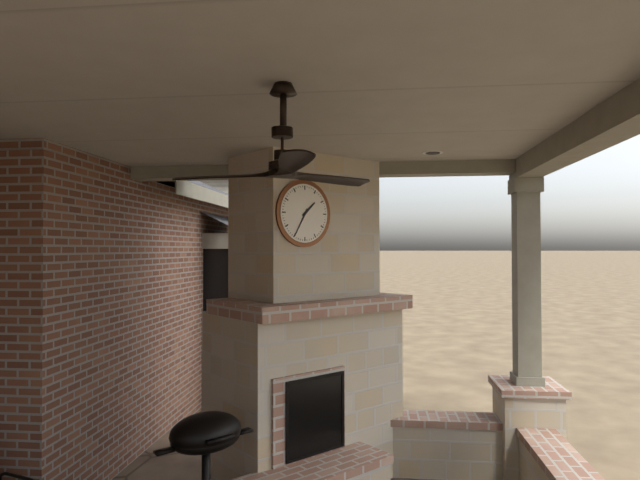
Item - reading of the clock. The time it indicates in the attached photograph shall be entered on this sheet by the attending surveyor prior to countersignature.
1:35
